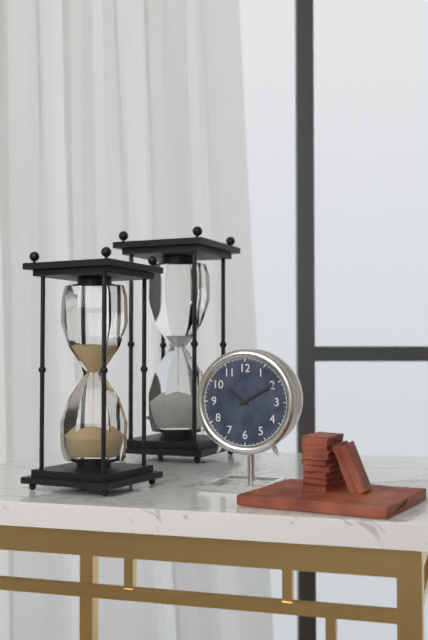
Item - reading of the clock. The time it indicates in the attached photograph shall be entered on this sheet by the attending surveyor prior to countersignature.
10:10
